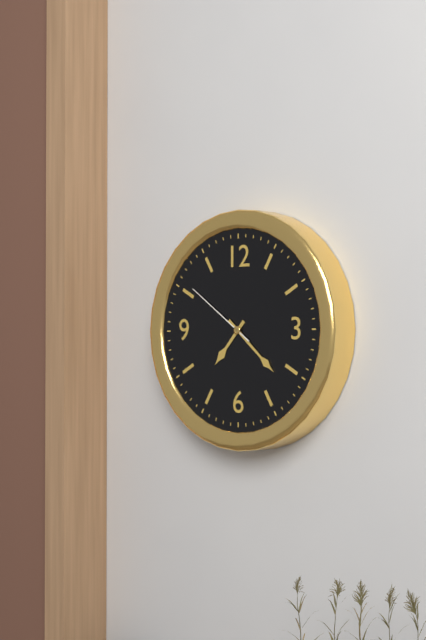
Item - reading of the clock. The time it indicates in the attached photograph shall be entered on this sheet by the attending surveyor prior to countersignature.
7:22:51
